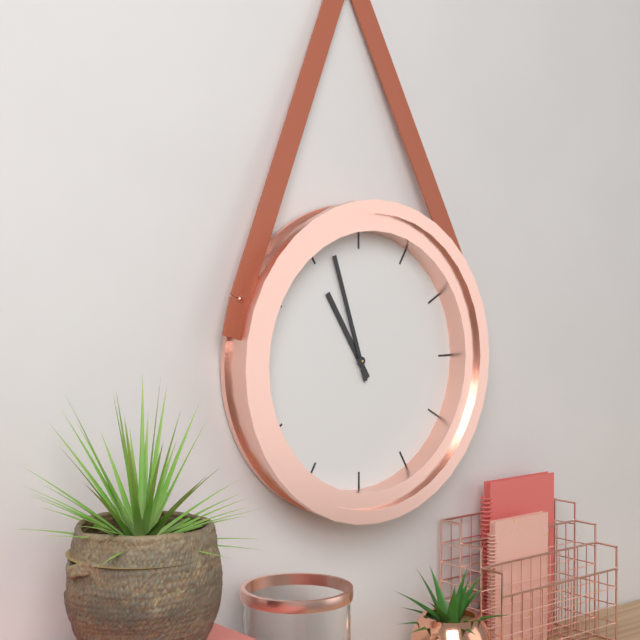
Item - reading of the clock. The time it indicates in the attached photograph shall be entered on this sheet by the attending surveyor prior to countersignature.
10:57
